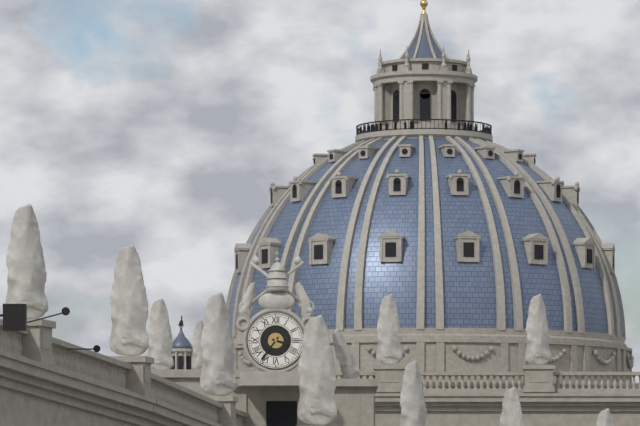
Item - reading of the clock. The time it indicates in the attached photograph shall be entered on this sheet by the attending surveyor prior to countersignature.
3:36
